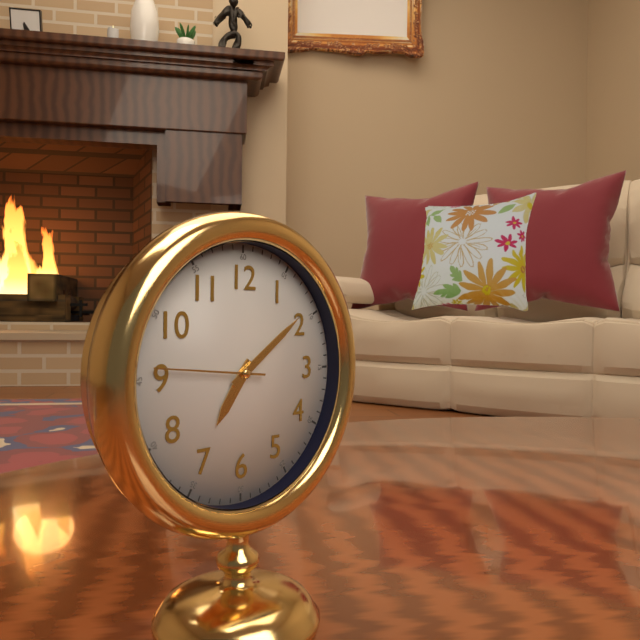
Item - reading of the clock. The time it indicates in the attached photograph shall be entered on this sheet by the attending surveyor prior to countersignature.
7:09:46
